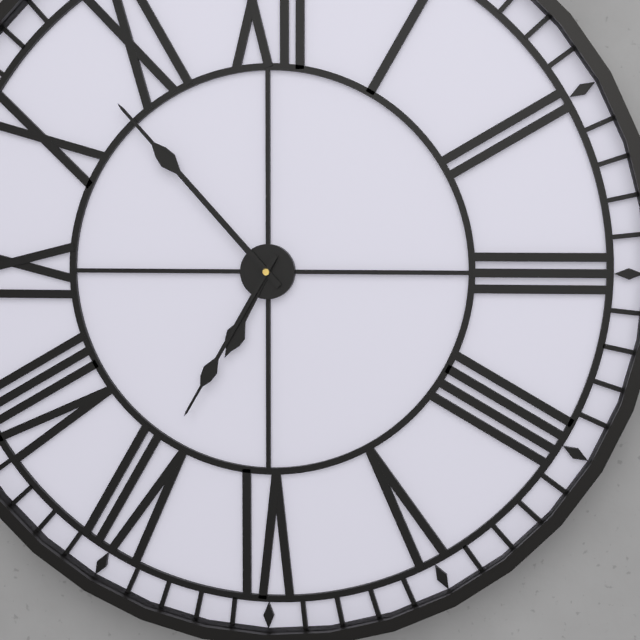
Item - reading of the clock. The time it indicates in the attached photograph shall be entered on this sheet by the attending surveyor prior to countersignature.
6:53:35
